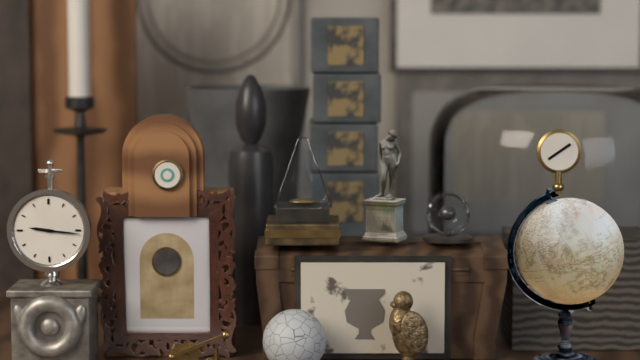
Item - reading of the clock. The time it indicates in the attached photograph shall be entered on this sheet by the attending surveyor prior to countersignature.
9:16
